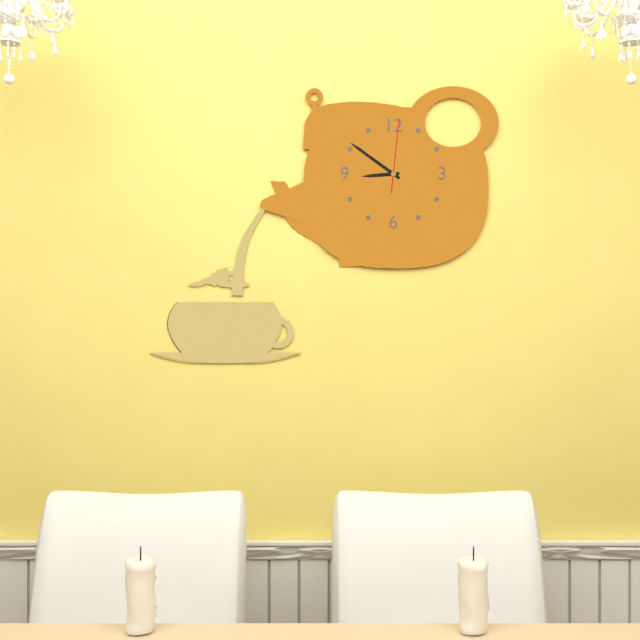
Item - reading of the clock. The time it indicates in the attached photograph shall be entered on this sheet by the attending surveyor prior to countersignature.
8:51:01
